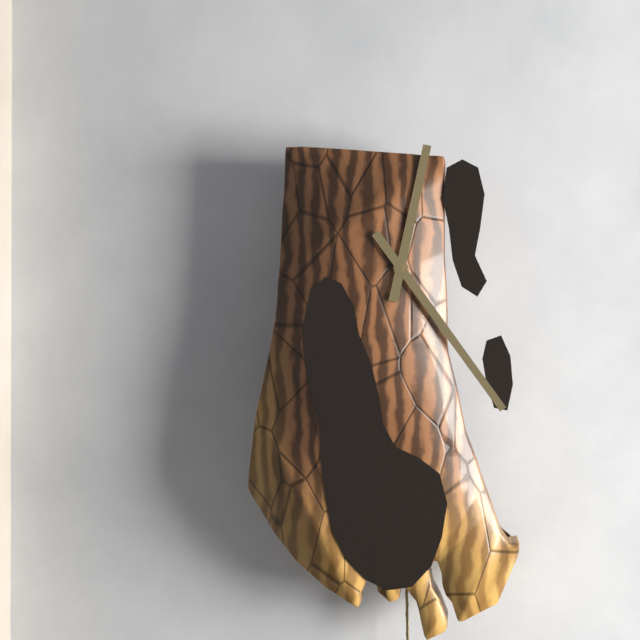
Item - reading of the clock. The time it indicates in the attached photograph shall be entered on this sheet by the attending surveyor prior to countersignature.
12:24
